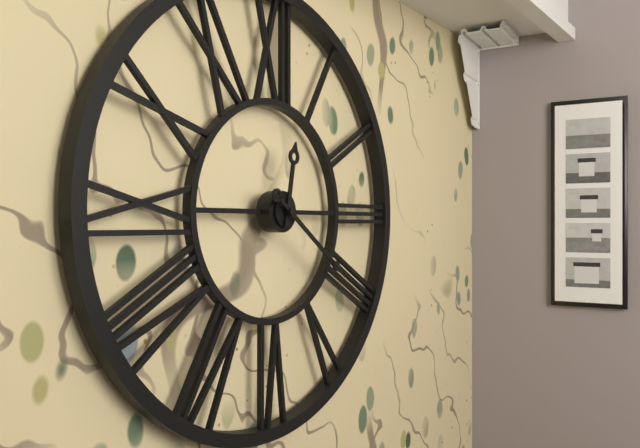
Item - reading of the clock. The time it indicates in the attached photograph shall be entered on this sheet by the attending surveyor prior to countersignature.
12:21
